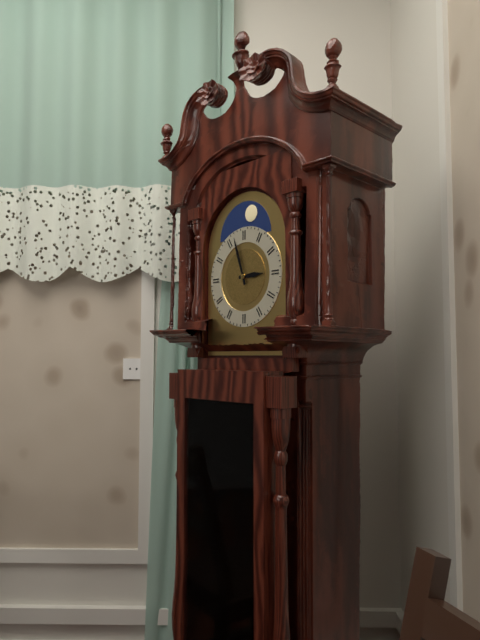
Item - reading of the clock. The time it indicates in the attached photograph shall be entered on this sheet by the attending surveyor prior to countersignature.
2:57
